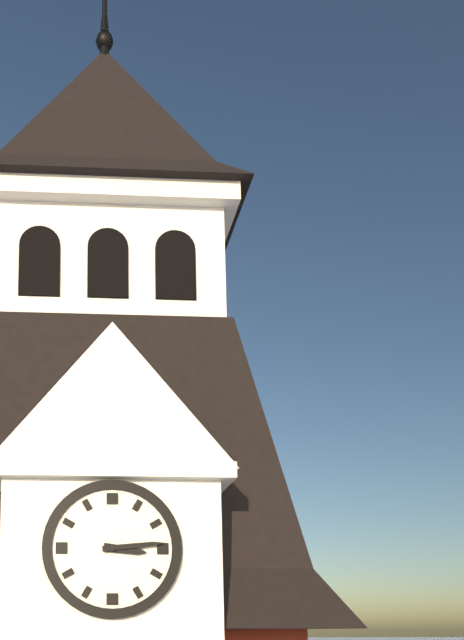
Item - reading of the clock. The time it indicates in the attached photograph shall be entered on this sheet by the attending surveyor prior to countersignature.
3:14
